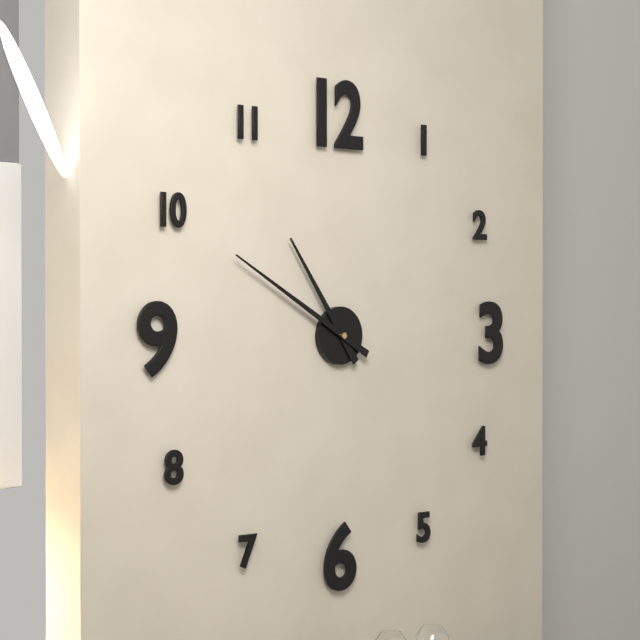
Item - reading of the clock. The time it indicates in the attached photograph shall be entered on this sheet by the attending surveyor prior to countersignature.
10:50
